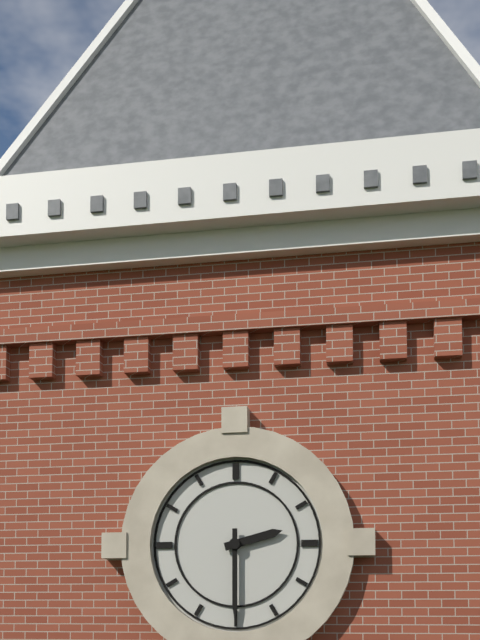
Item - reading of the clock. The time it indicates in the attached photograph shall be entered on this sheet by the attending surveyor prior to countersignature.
2:30
